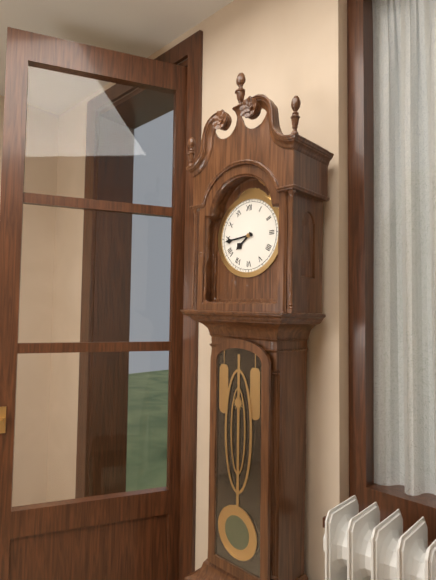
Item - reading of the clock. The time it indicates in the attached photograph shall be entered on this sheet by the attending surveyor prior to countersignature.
7:44
